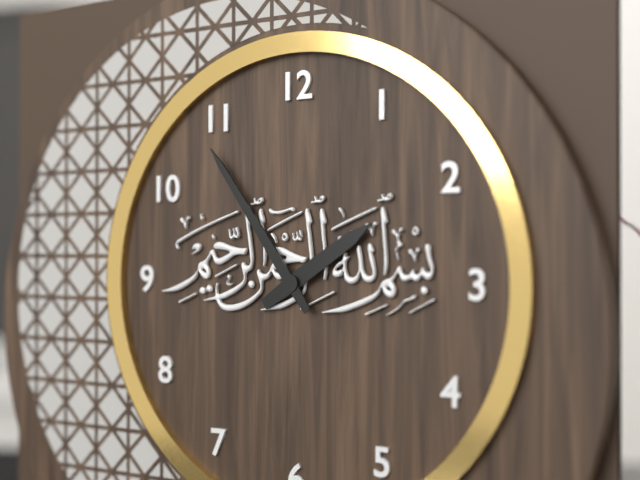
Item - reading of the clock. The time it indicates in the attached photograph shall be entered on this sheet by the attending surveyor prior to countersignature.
1:54
